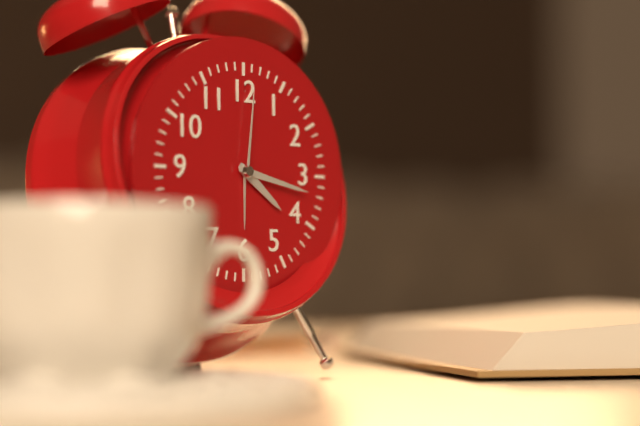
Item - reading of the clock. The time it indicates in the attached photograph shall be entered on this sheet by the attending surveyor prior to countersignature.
4:17:01
